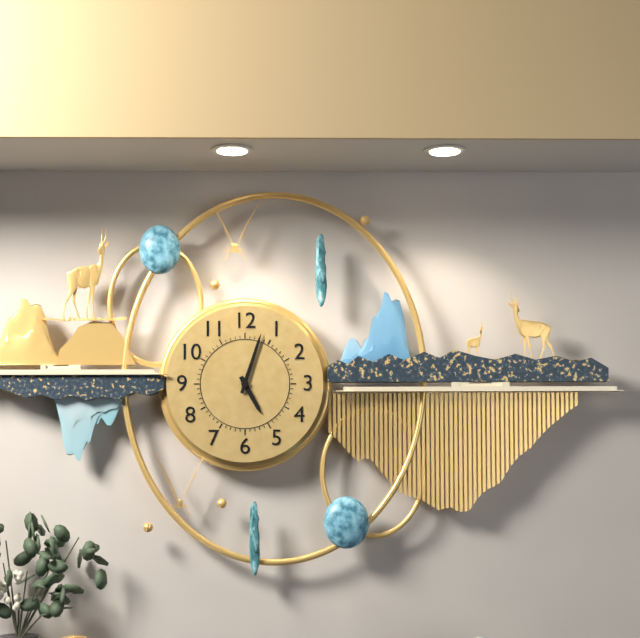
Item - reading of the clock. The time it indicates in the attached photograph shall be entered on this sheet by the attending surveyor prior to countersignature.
5:03
